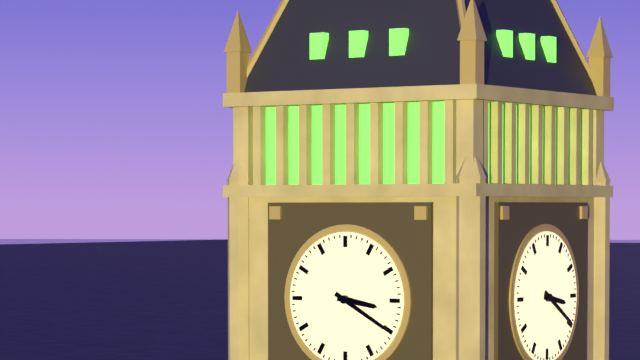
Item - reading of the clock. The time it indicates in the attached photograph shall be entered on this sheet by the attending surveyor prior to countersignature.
3:20
